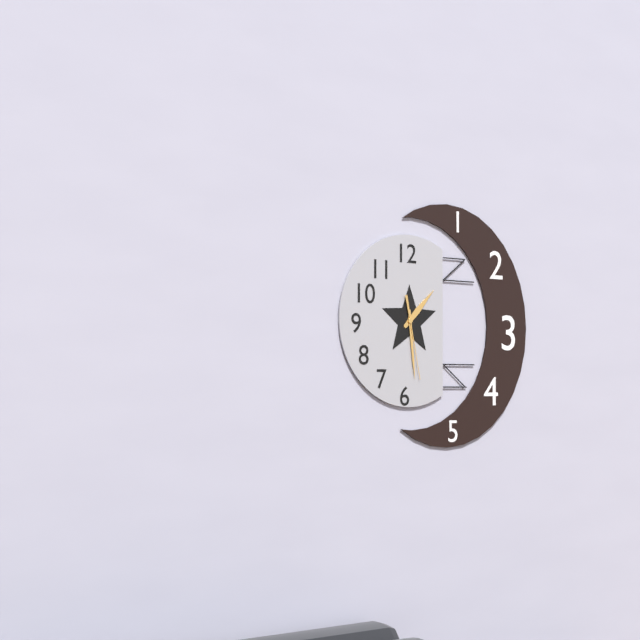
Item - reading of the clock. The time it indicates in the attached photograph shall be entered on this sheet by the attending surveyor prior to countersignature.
1:29:28
